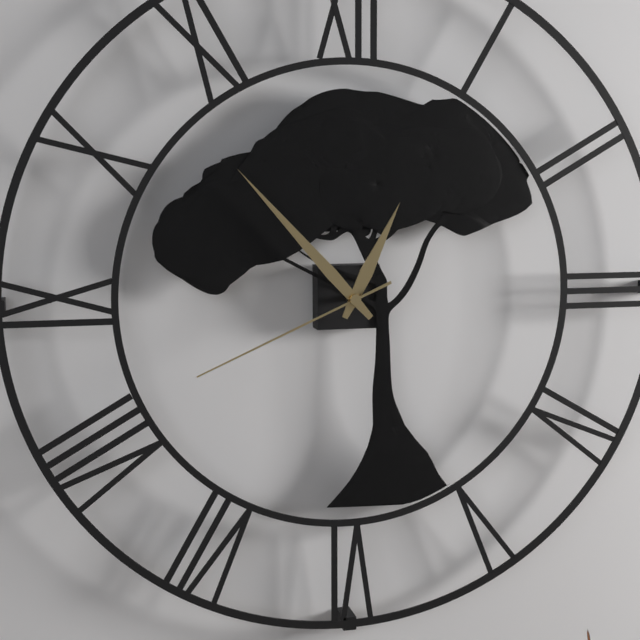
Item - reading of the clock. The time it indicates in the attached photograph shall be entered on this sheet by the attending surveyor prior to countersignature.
12:53:41
